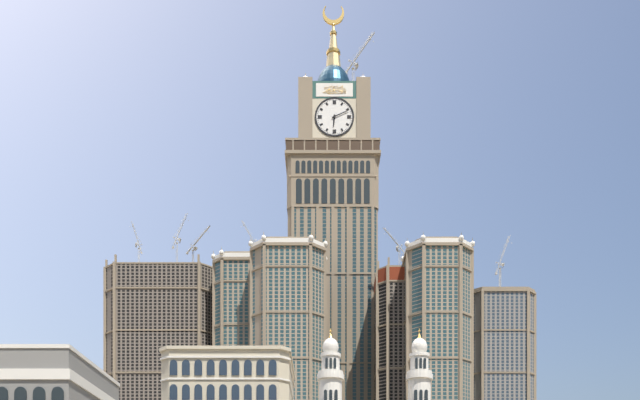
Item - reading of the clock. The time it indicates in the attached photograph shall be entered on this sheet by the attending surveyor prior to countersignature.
6:11
